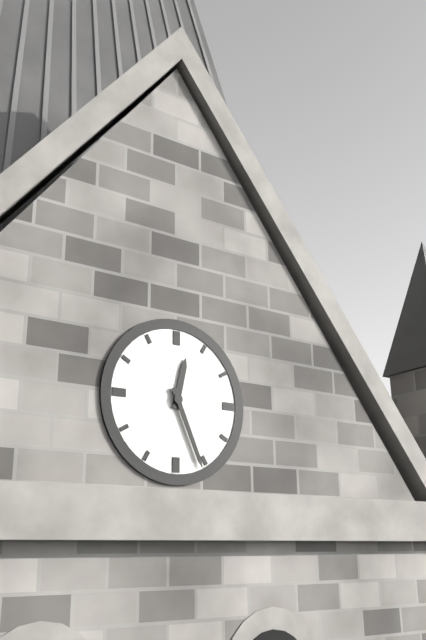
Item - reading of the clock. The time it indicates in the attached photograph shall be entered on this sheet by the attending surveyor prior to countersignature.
12:26
